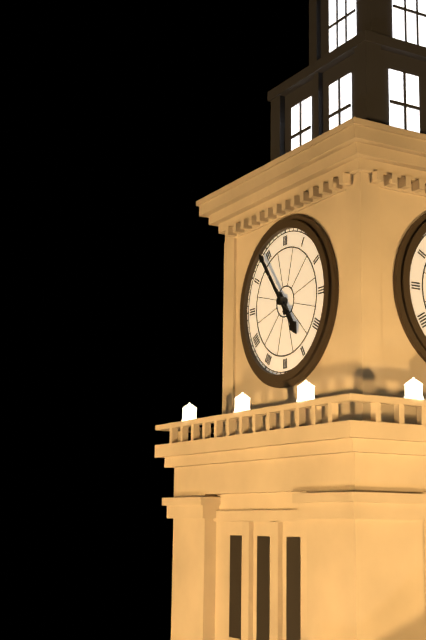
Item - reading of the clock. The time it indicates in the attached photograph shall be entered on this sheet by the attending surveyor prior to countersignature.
4:54
